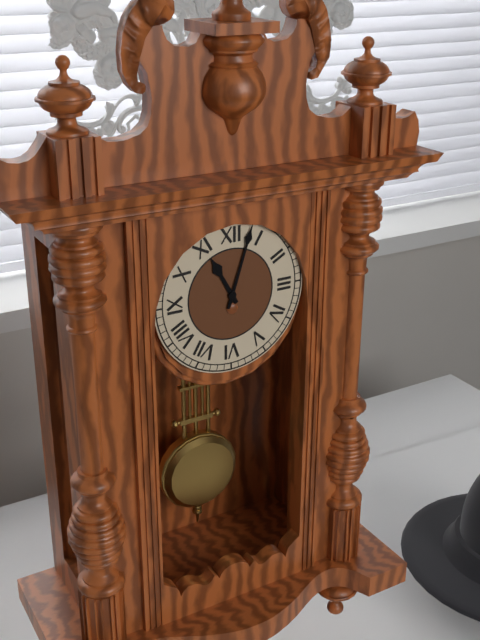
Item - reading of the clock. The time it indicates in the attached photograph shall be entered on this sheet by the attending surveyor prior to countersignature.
11:03
